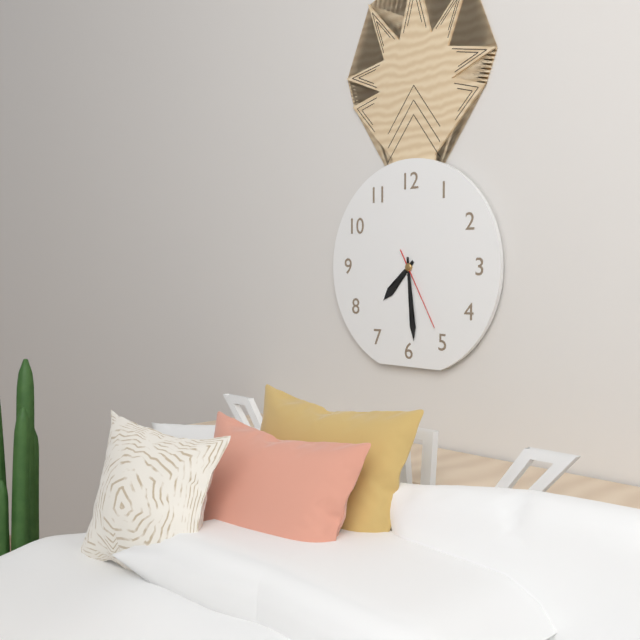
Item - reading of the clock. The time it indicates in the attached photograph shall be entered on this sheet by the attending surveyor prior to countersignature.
7:29:25
